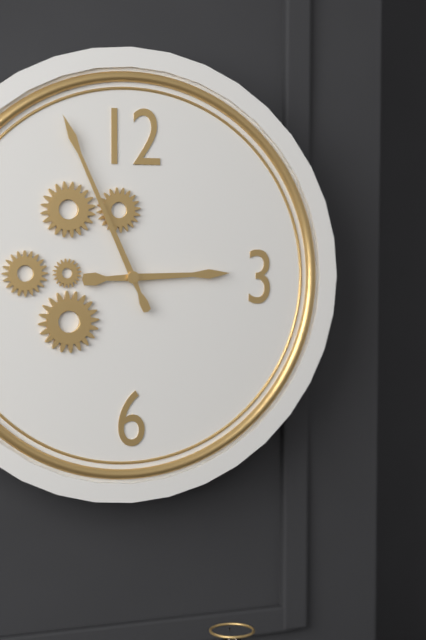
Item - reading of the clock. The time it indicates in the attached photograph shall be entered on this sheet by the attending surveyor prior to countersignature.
2:56
